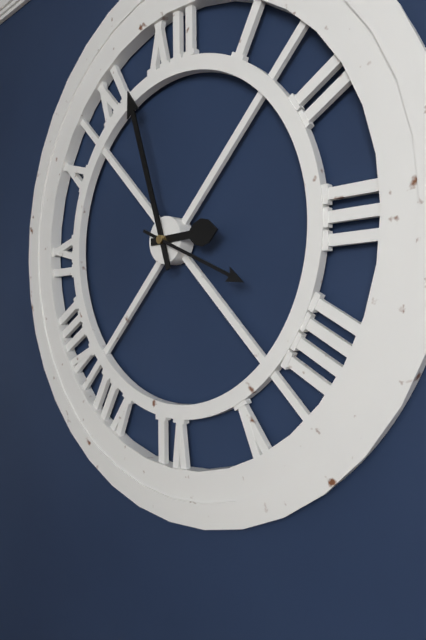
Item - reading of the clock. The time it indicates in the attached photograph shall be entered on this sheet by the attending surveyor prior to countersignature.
2:57:19
